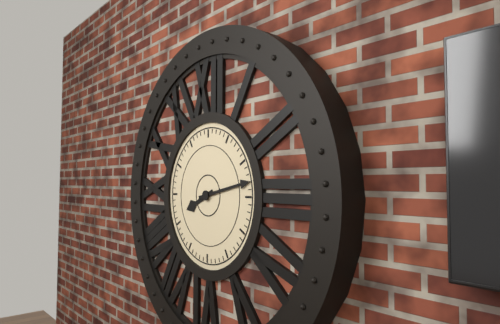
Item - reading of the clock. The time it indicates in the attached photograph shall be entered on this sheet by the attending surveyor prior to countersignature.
8:13
